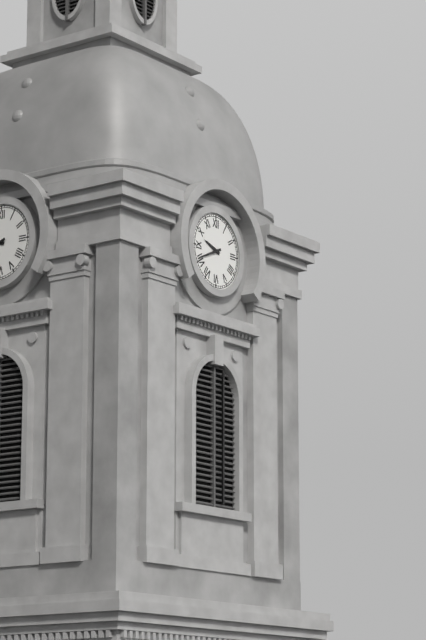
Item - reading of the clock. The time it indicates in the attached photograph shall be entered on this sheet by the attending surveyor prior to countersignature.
9:41
